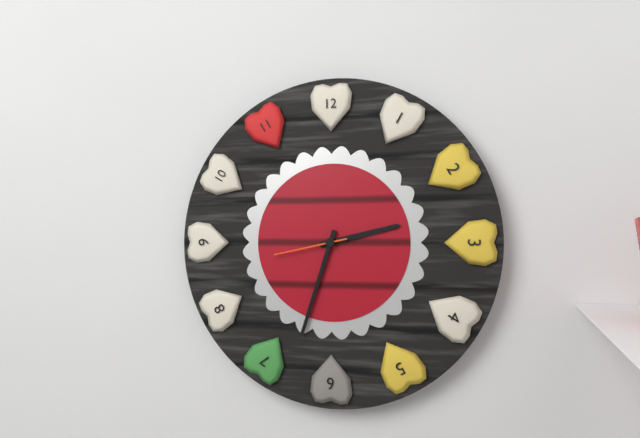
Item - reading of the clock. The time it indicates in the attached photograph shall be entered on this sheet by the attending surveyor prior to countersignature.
2:33:43
